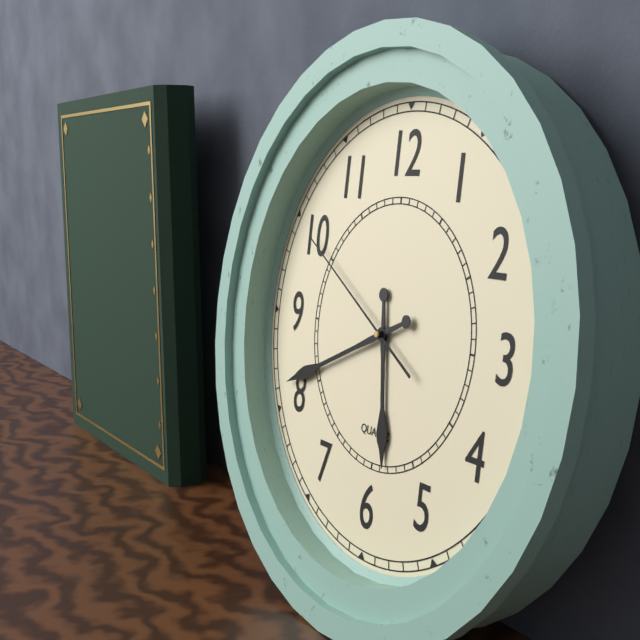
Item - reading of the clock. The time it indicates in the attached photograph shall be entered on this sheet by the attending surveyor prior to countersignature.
5:41:50
